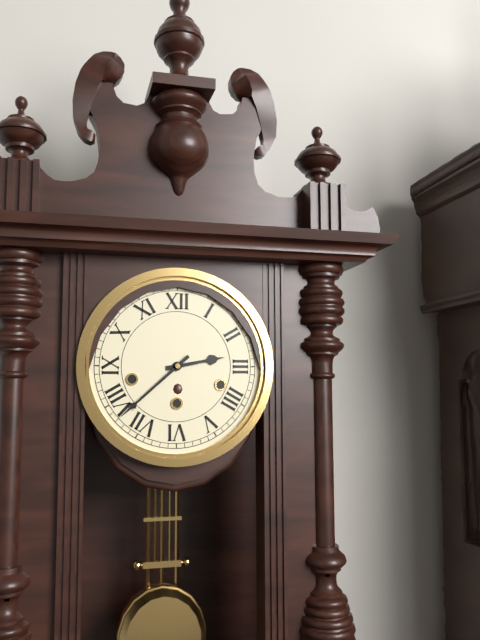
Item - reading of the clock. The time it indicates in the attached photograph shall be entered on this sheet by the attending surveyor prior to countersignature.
2:38
